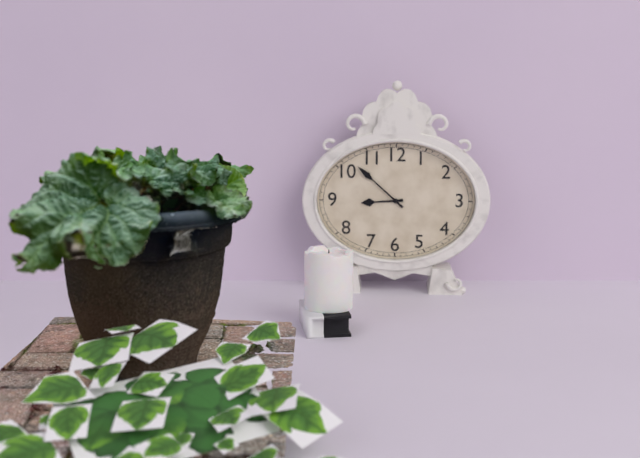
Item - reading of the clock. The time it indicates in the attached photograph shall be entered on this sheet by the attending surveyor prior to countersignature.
8:52
